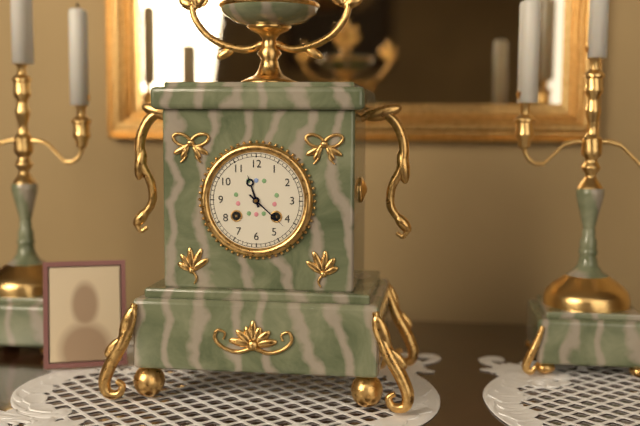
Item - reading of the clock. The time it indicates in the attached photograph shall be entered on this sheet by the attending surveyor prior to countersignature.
11:22
